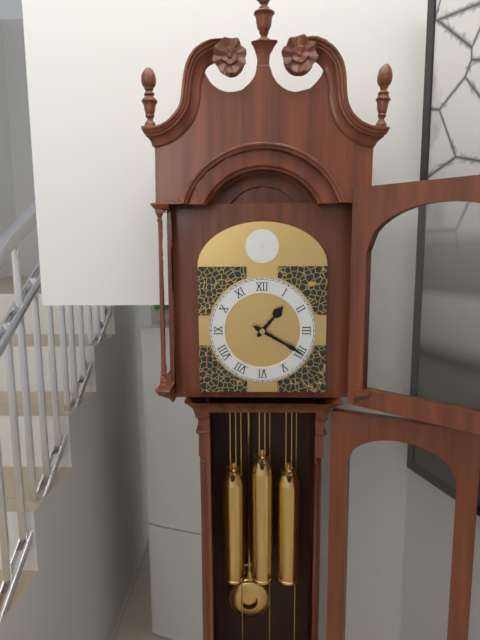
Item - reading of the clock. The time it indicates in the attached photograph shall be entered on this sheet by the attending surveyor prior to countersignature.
1:20
